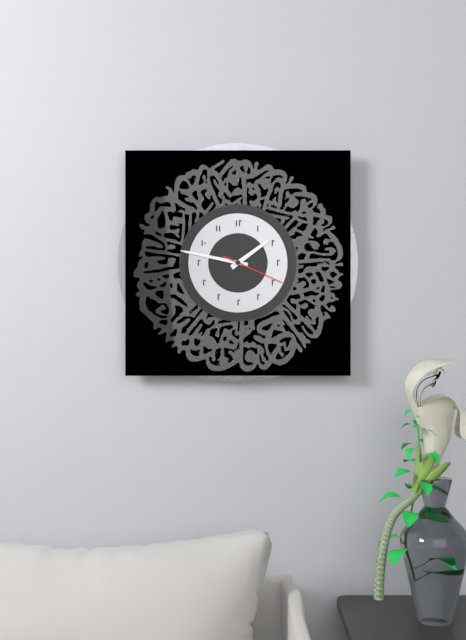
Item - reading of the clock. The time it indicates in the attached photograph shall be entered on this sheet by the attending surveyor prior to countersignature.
1:47:19
